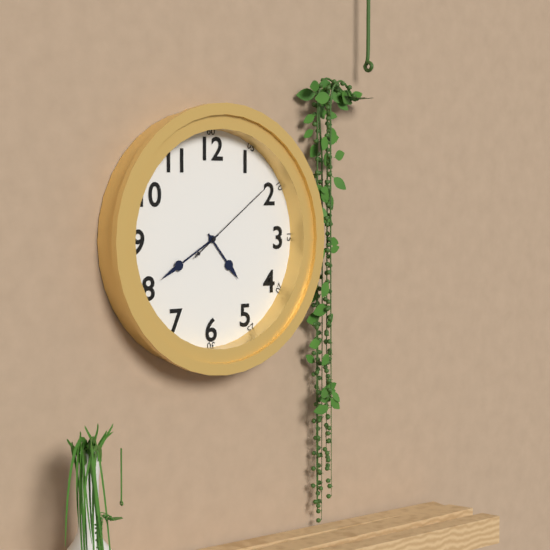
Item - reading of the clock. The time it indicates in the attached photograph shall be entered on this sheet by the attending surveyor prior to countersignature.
4:40:09
